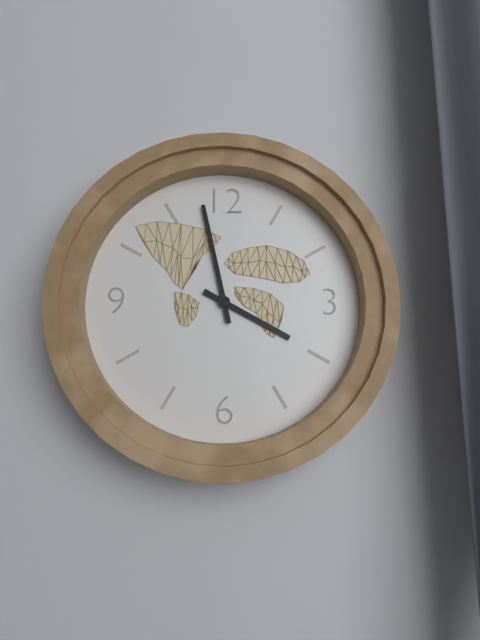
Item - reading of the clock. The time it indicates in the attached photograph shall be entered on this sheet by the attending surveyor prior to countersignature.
3:58
